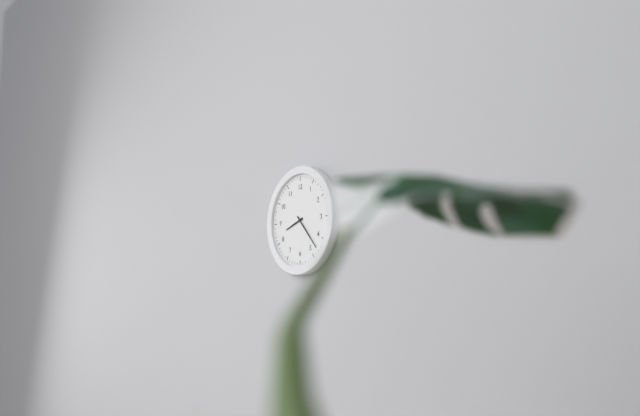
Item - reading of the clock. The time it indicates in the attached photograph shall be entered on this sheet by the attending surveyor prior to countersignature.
8:23
